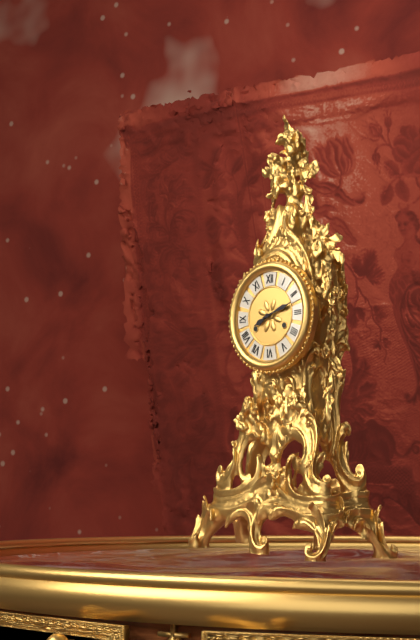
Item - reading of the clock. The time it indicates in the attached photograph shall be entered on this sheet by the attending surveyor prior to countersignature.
8:12
